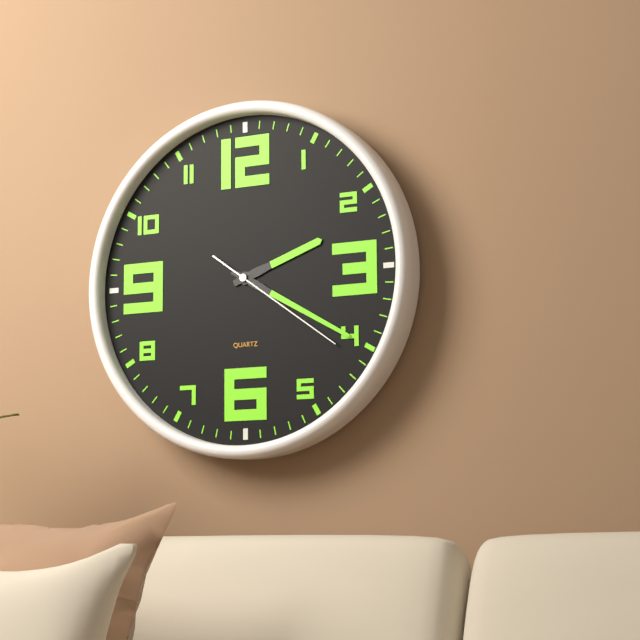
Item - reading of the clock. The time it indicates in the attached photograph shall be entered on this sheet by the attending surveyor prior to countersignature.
2:20:21
